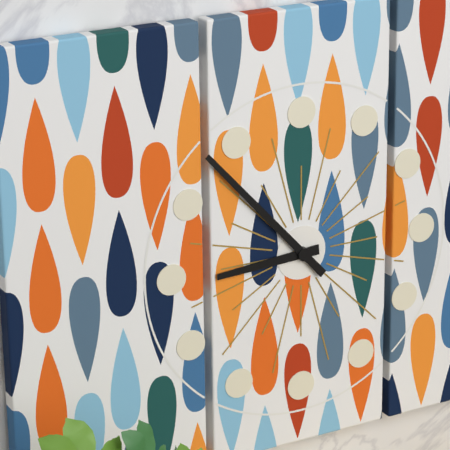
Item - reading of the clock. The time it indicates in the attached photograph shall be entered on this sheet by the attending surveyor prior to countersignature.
8:53
